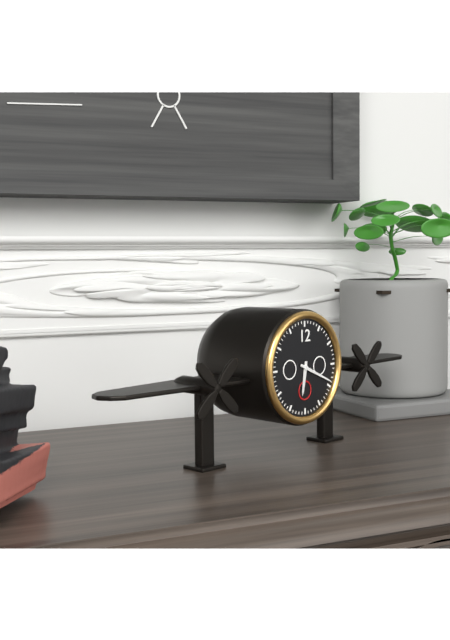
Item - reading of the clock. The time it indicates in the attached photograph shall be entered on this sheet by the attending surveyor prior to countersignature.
6:19
